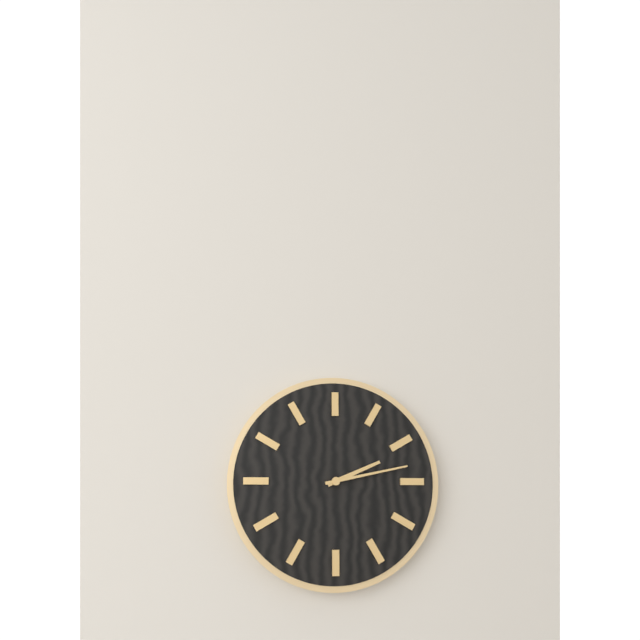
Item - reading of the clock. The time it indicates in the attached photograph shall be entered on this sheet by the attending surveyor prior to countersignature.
2:13
